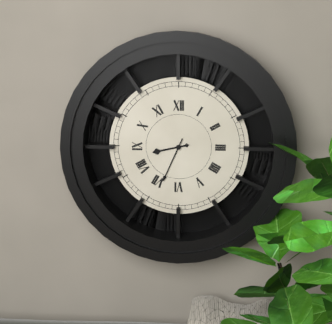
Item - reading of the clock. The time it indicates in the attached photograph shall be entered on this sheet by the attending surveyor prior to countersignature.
8:34
